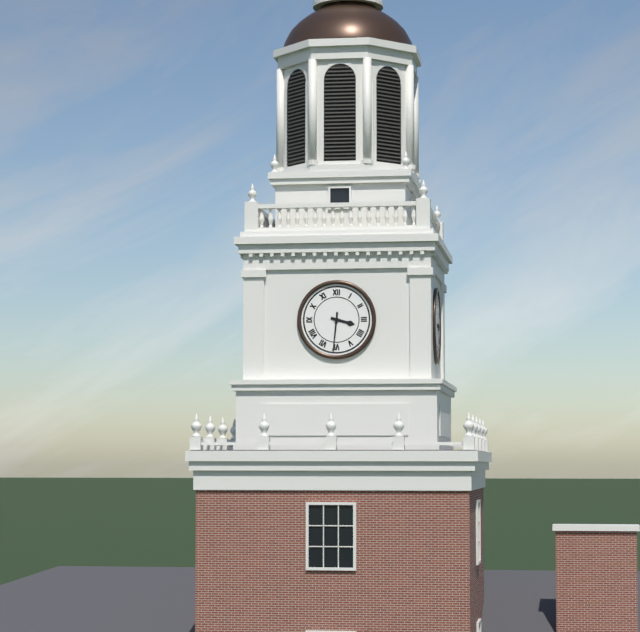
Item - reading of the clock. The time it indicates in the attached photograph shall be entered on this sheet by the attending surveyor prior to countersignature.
3:31
